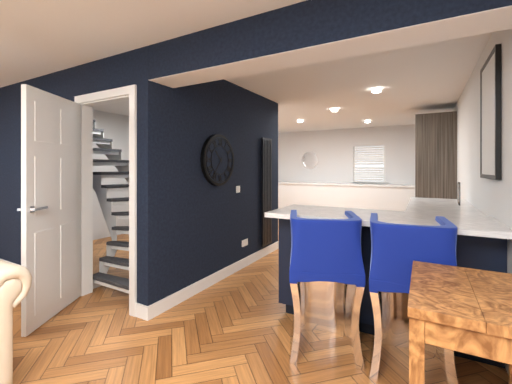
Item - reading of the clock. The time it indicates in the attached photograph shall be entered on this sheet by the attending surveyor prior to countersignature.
10:36
